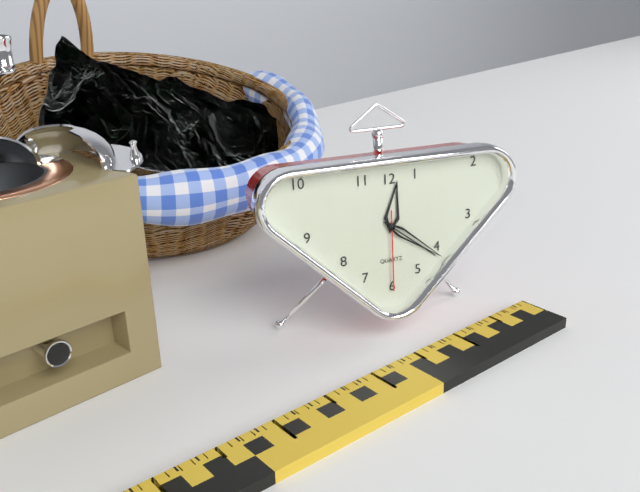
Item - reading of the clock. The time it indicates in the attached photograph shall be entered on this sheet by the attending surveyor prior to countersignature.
12:21:30
